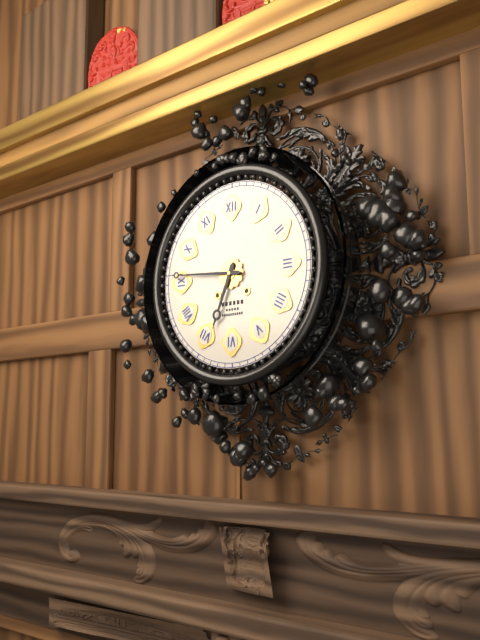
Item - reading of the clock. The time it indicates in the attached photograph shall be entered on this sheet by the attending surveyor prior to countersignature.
6:46
